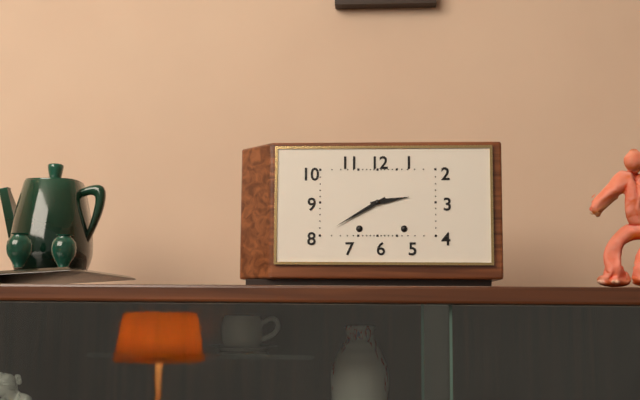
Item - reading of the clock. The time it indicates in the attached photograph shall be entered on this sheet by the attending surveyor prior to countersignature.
2:40
